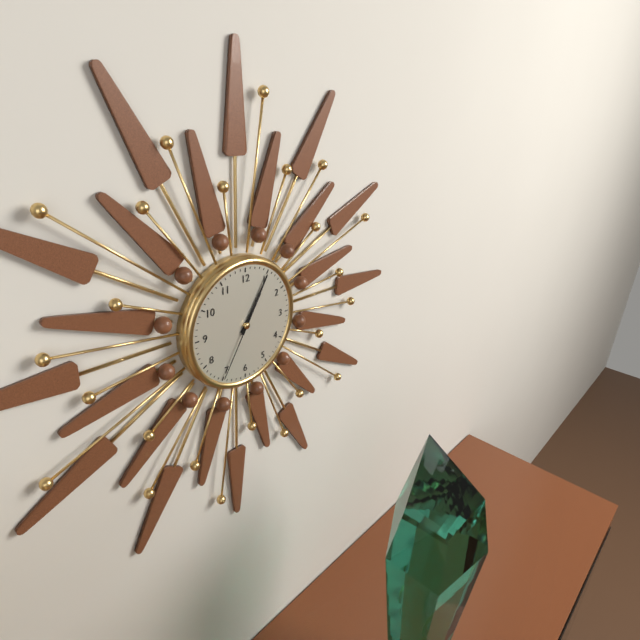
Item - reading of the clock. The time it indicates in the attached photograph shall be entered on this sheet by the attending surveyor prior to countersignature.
1:05:35
